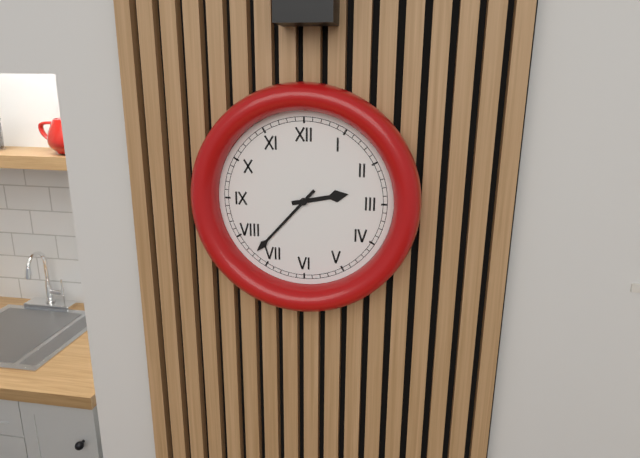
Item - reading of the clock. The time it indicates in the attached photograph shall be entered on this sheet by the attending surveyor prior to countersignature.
2:37
